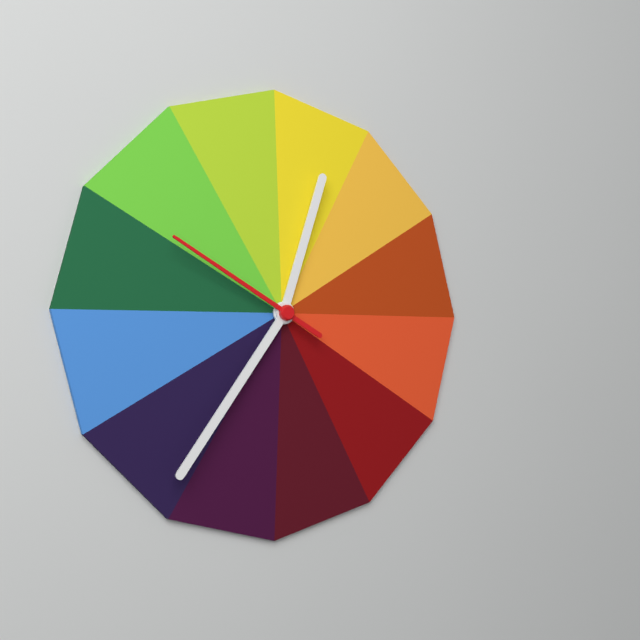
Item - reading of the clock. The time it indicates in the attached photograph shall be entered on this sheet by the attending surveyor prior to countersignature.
12:36:50
